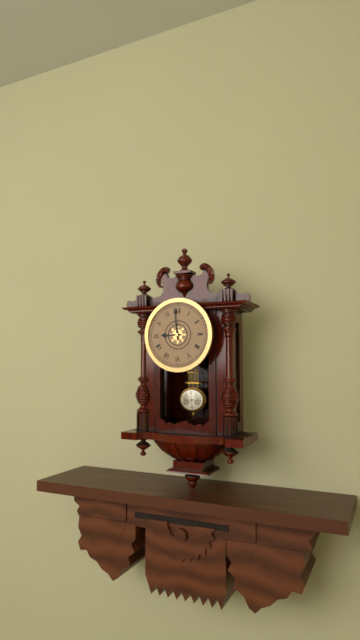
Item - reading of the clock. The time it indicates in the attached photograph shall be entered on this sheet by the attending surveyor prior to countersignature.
8:59
